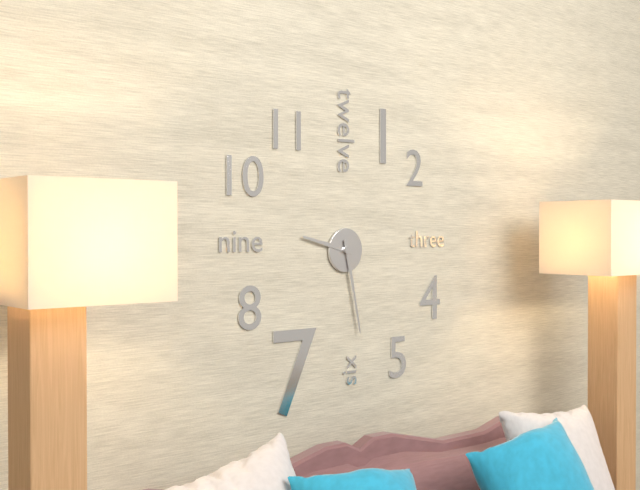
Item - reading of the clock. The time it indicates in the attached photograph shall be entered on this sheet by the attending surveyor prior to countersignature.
9:28
